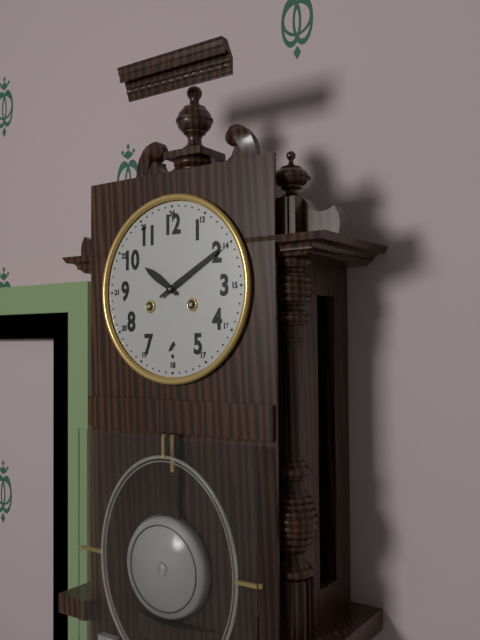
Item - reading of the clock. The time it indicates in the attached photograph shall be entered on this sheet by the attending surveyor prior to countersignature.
10:10
